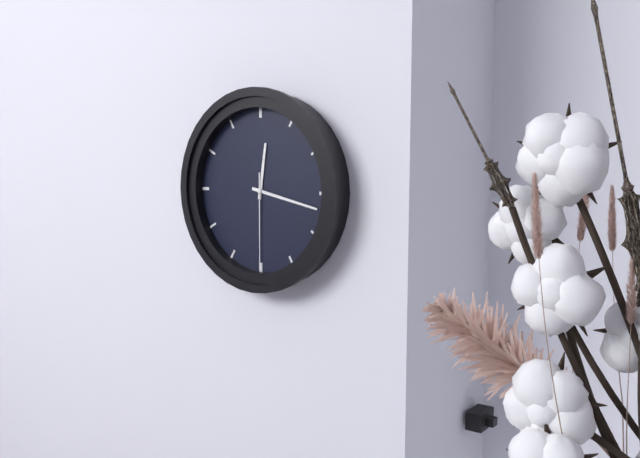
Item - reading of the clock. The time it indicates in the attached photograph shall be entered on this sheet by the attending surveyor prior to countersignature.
12:17:30
